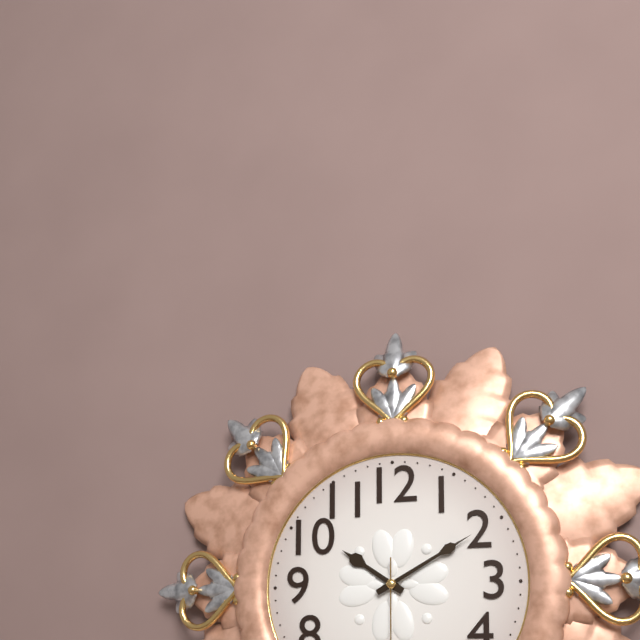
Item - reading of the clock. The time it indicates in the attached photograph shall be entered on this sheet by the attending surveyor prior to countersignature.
10:10
